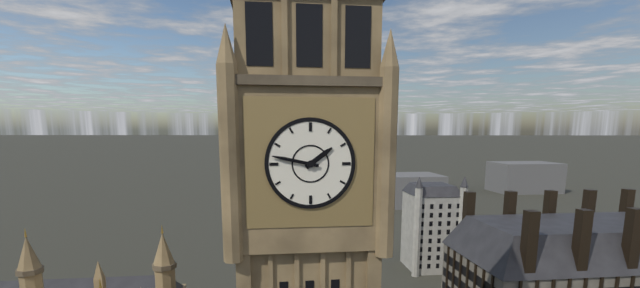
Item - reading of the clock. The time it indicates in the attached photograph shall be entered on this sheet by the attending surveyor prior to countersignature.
1:47
